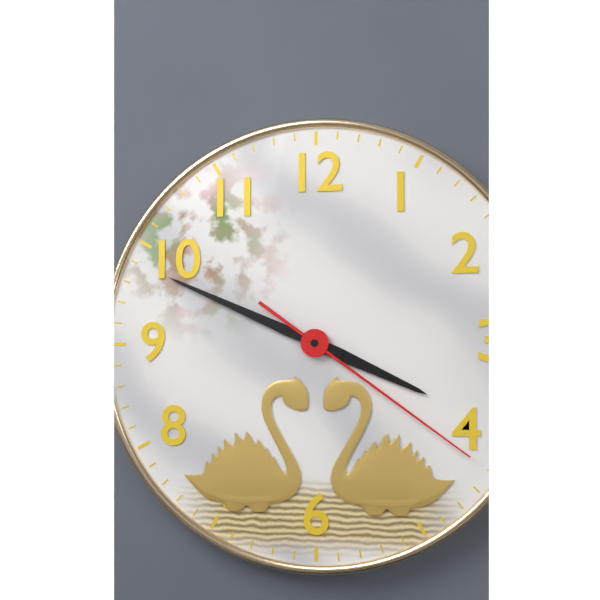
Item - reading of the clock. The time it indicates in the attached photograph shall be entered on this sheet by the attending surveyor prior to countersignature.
3:49:21
